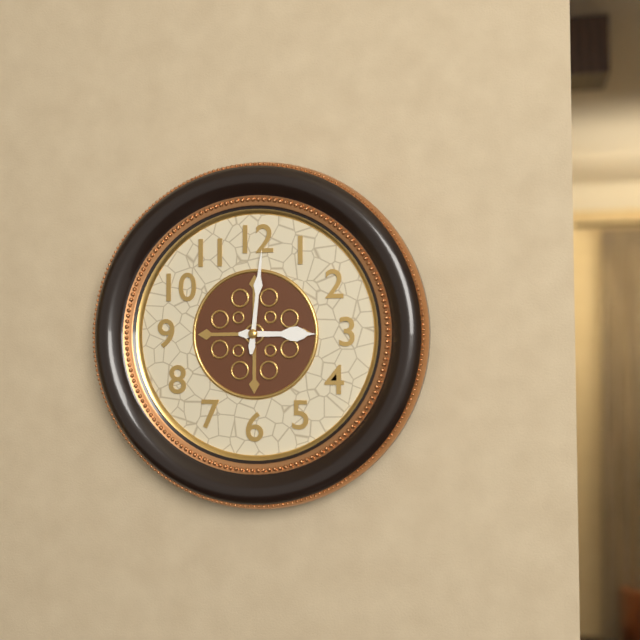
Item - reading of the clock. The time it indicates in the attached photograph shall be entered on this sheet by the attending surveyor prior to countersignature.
3:01
